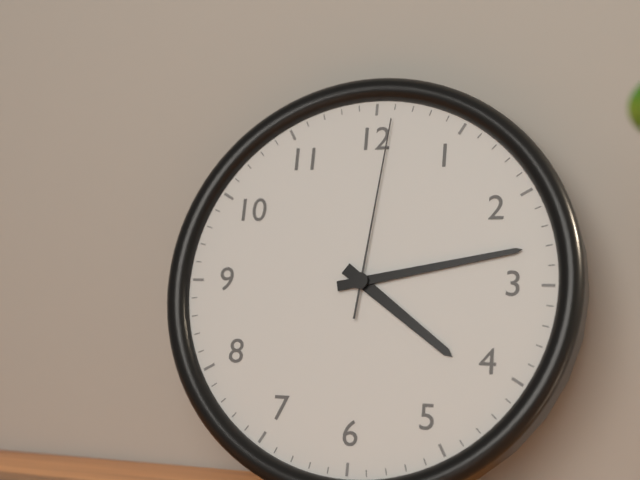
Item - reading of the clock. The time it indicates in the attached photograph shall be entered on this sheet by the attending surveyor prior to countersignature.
4:13:01
